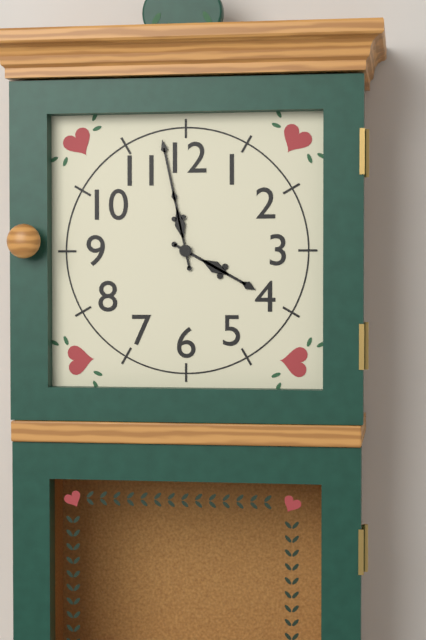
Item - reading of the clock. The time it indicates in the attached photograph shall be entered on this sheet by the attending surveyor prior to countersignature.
3:58
